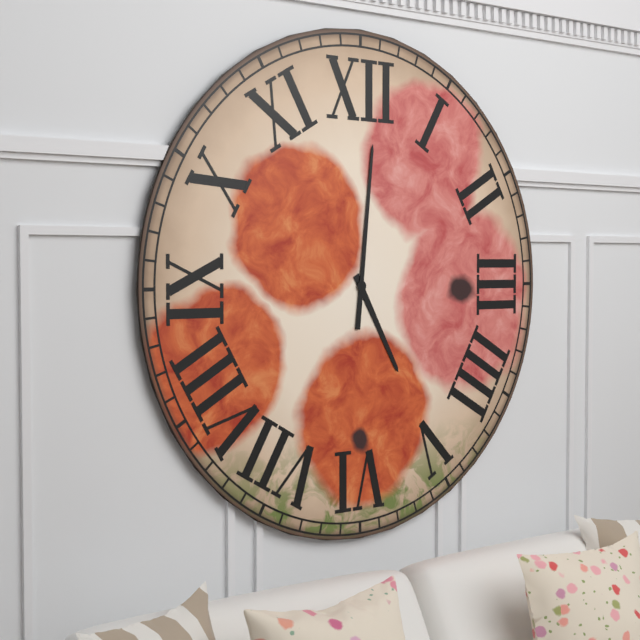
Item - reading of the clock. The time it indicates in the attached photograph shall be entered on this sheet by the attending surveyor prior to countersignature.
5:01
